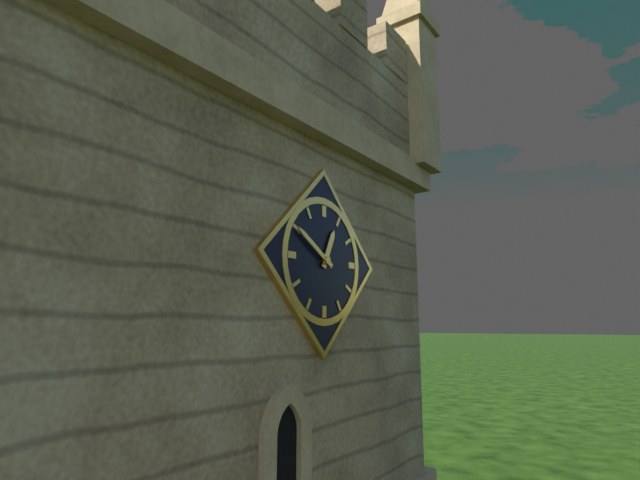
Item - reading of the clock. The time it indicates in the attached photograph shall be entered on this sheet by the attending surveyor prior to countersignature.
12:50
